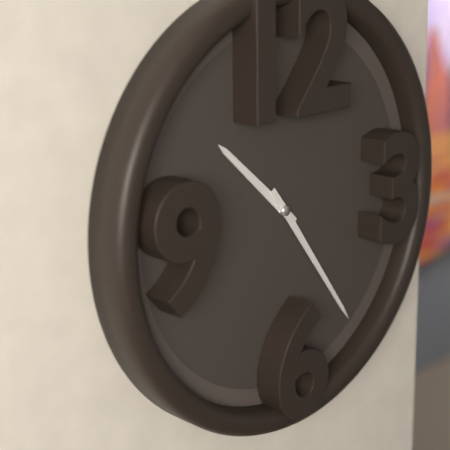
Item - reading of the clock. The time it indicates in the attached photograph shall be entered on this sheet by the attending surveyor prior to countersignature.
10:24
